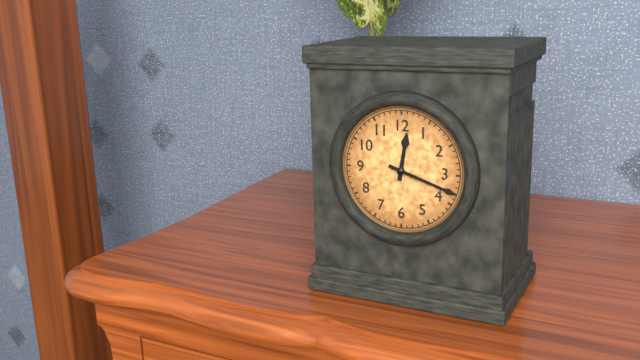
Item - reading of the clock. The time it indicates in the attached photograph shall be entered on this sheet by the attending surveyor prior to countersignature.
12:18
